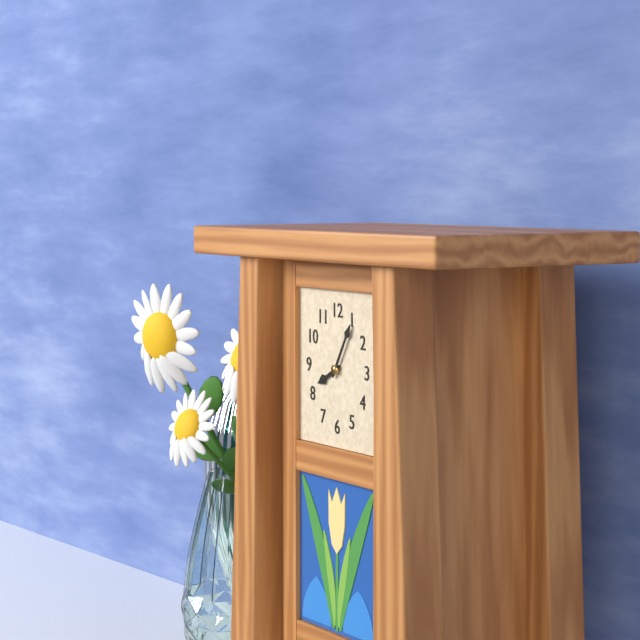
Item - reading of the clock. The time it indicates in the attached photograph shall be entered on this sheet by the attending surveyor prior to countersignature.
8:05
